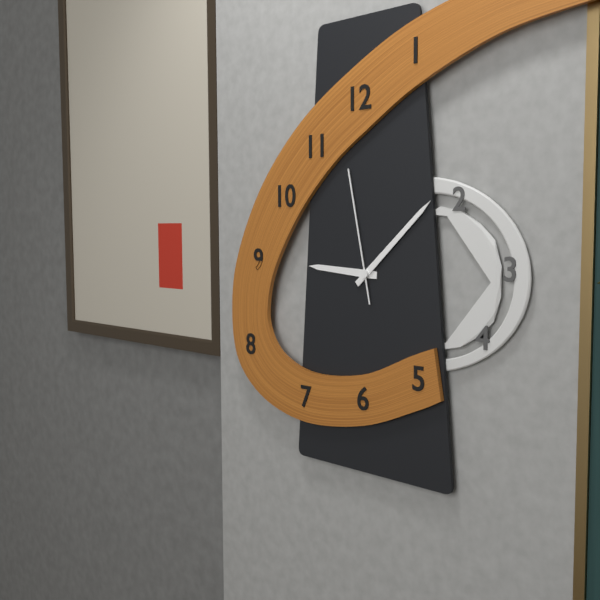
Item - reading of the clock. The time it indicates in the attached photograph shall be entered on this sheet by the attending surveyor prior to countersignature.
9:08:58
